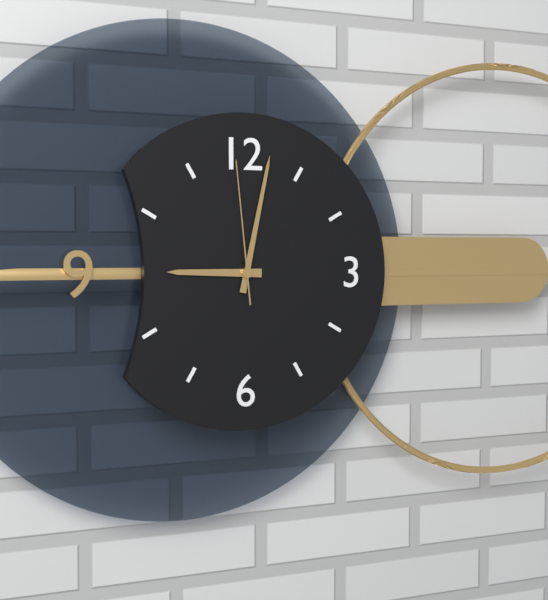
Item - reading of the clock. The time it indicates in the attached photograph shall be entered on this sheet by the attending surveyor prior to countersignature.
9:02:59
